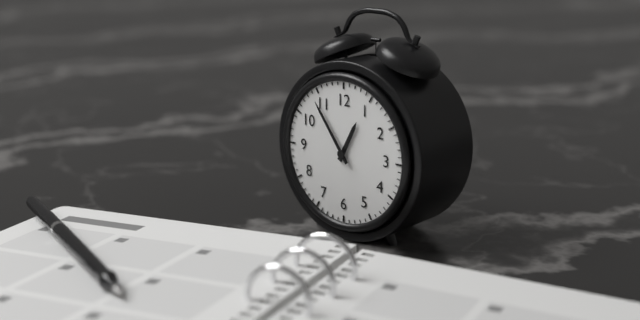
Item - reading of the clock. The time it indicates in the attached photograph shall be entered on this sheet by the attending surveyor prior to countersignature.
12:54
